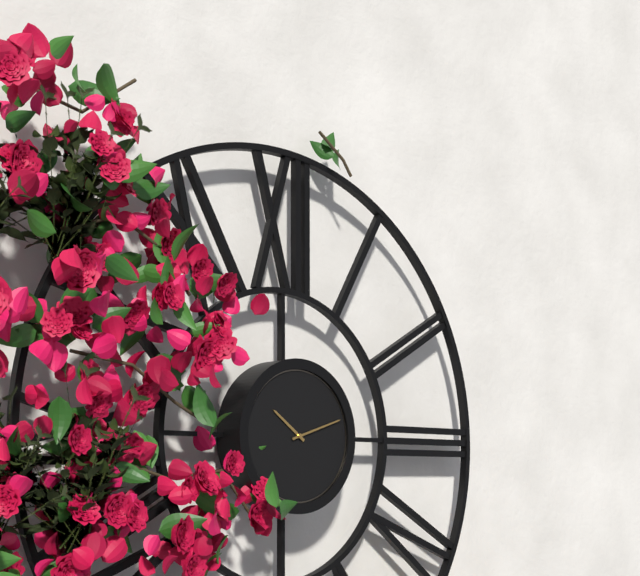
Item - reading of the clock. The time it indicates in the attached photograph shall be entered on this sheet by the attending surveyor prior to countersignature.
10:12
